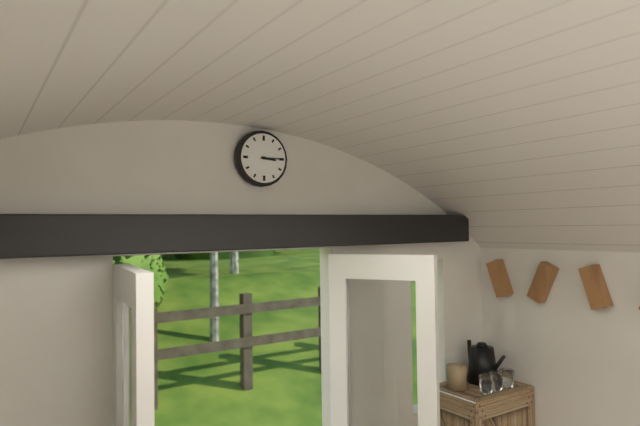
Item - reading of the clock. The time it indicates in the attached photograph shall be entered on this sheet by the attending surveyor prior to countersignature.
3:15
